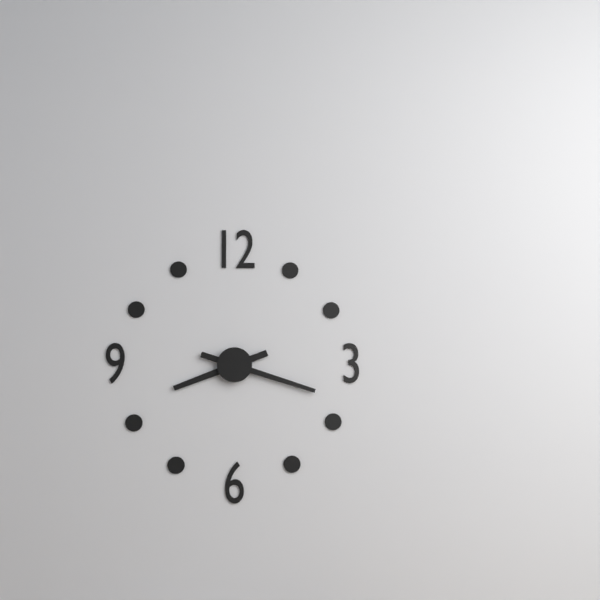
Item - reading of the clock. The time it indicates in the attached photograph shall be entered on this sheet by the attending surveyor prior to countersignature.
8:18
